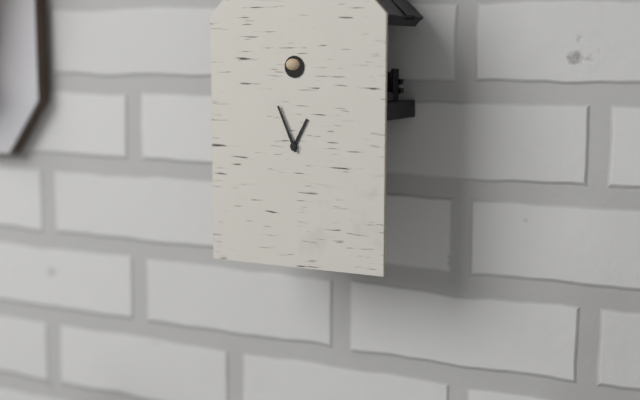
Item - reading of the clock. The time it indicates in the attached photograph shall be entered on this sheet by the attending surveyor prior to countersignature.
12:56
